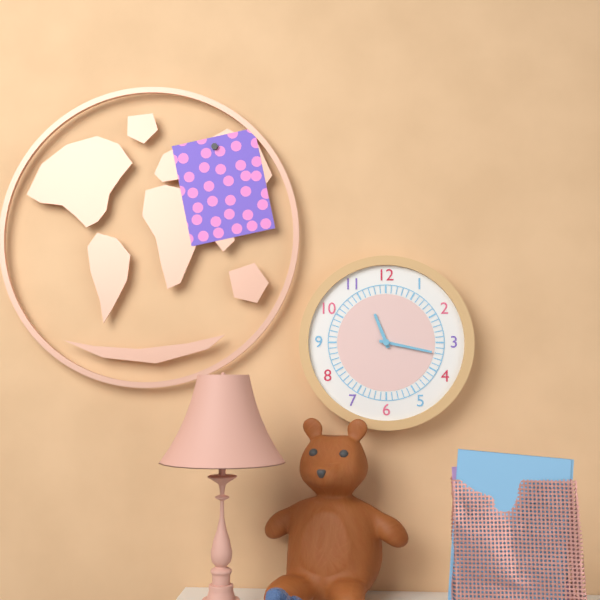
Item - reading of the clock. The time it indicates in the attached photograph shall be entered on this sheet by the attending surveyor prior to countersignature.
11:17
